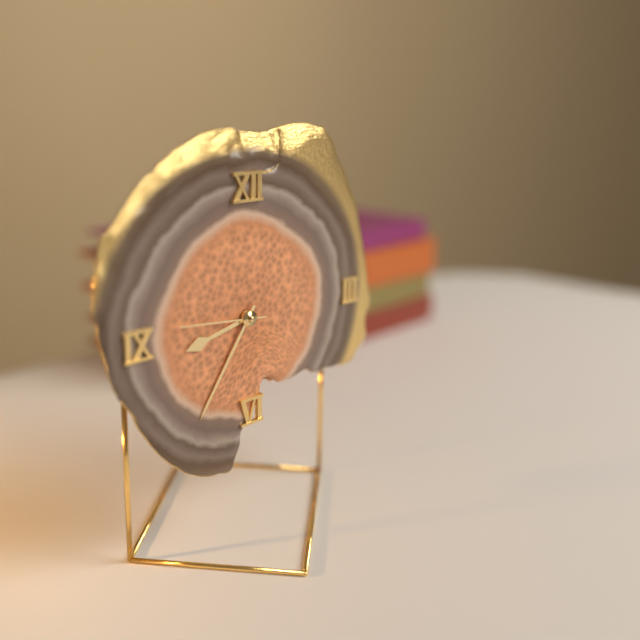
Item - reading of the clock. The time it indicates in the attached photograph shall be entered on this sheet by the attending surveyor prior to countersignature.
8:36:46
